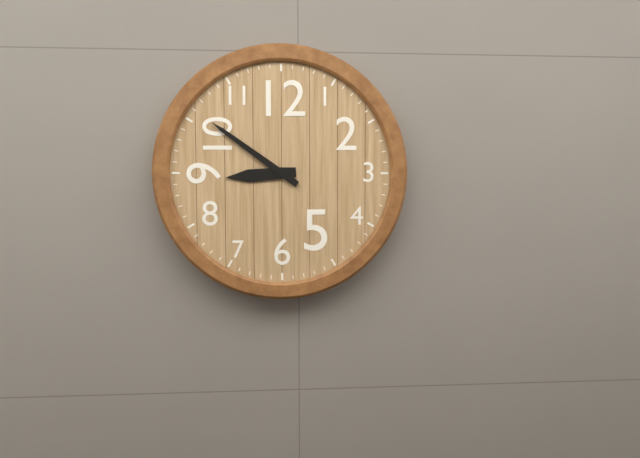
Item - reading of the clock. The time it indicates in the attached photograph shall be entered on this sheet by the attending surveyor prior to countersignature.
8:51
